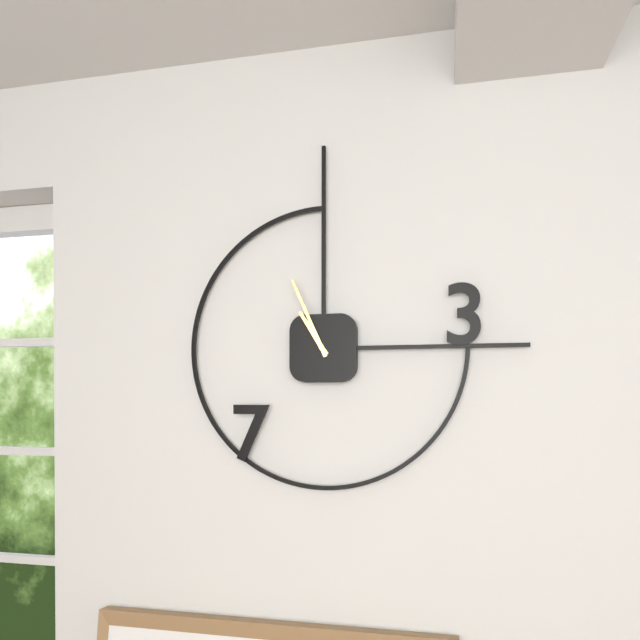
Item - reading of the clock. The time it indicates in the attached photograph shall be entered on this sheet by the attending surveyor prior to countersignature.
10:56
